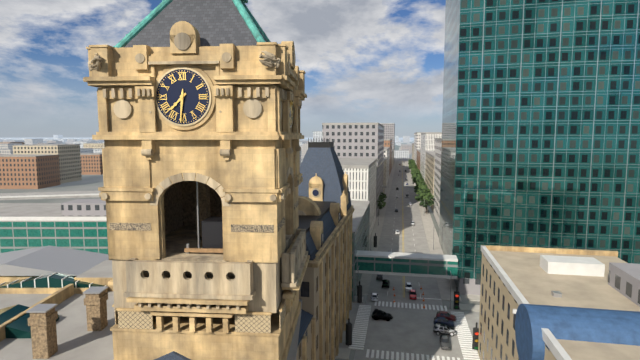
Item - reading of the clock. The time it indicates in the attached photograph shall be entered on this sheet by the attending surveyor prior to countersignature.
7:31
